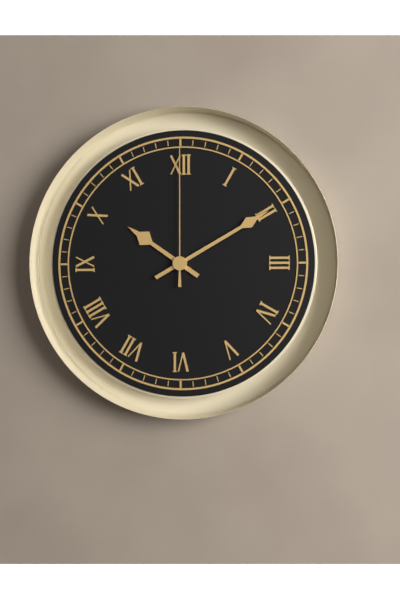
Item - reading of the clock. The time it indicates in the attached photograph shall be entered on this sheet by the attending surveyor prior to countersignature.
10:10:00
